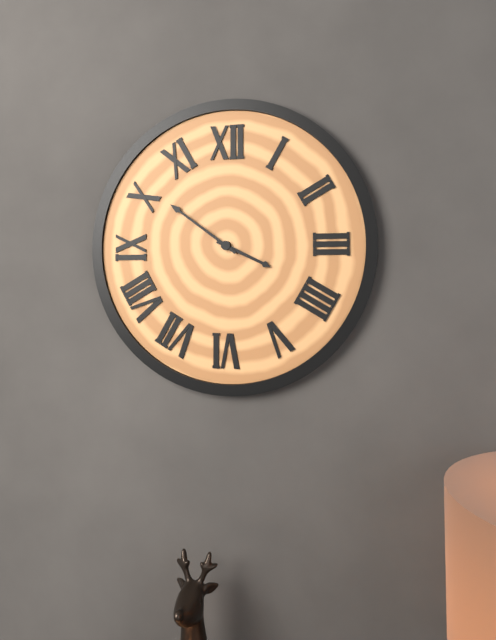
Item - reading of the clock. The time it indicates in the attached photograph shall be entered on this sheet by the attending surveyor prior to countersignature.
3:51
